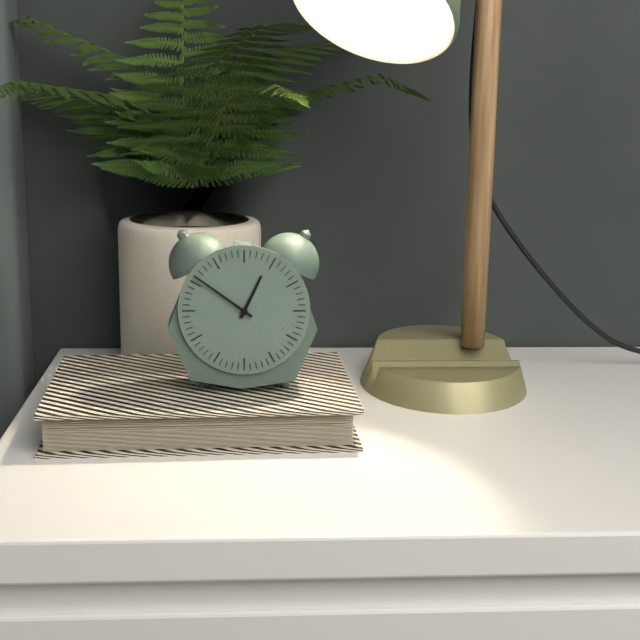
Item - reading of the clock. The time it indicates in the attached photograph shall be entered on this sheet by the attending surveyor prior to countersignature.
12:51
